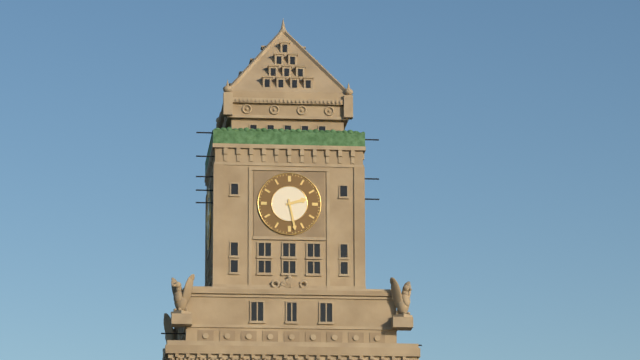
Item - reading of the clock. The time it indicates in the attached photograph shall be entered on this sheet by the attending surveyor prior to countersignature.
2:28
